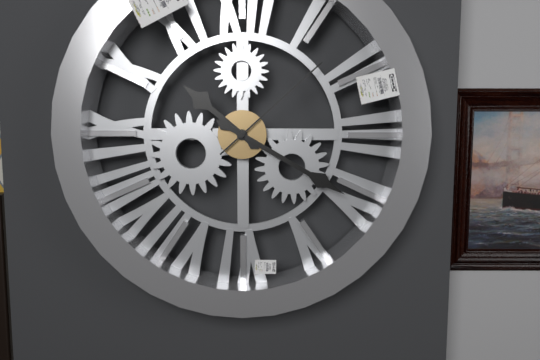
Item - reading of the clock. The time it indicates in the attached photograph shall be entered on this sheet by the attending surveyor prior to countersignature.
10:20:08
